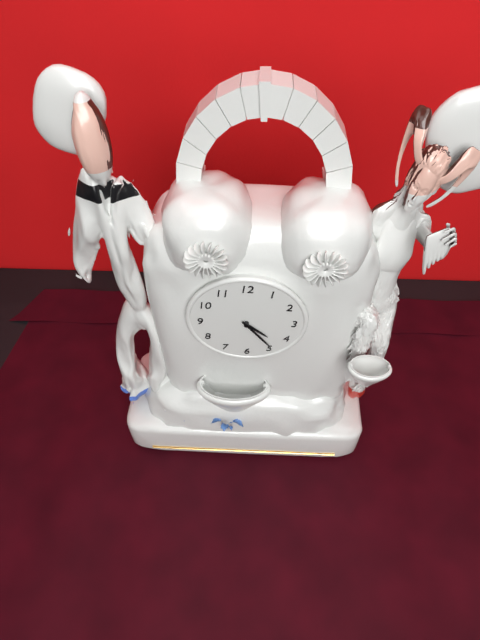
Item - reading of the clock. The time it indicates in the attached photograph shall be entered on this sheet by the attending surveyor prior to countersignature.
4:24
